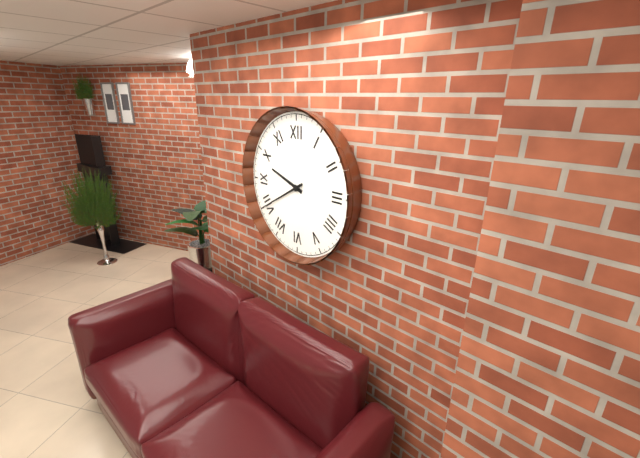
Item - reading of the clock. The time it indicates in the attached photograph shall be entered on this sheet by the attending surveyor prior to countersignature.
9:40
